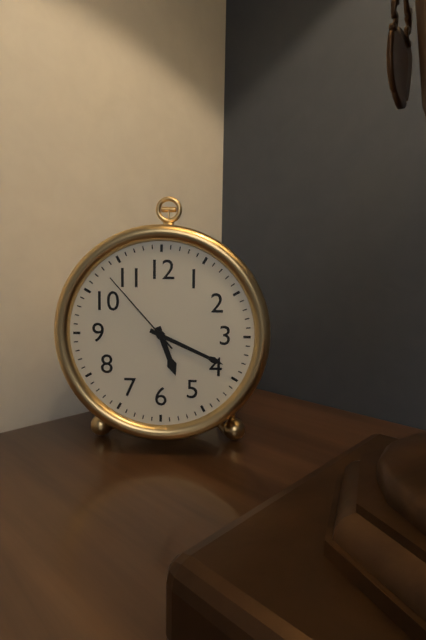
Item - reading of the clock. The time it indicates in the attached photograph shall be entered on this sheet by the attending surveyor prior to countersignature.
5:19:53
